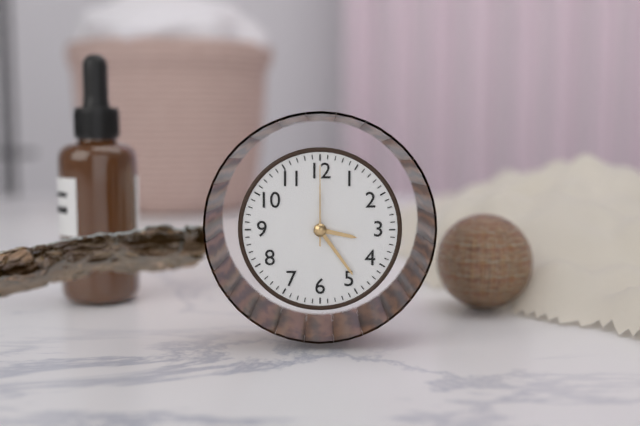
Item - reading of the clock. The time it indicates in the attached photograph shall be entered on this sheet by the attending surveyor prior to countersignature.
3:24:00
